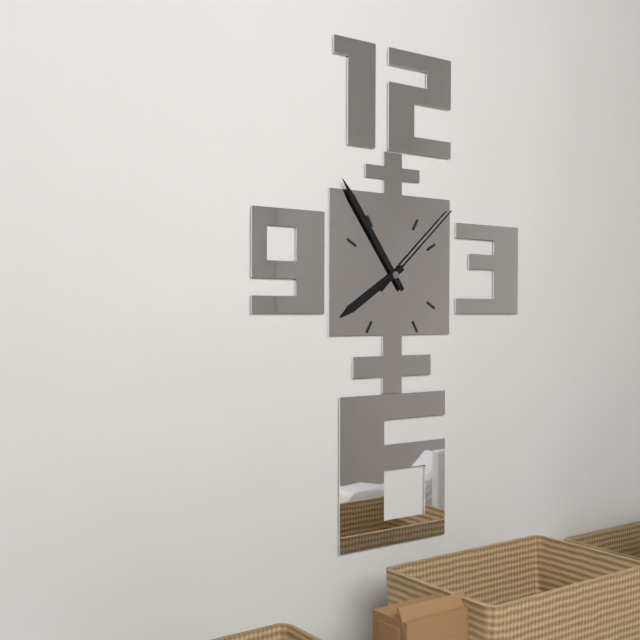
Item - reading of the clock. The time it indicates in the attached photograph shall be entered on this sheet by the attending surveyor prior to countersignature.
7:54:08
